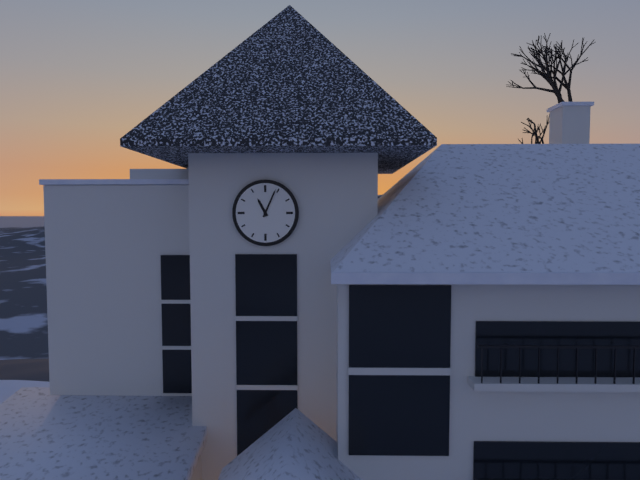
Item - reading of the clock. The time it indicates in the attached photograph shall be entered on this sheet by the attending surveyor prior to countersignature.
11:04
